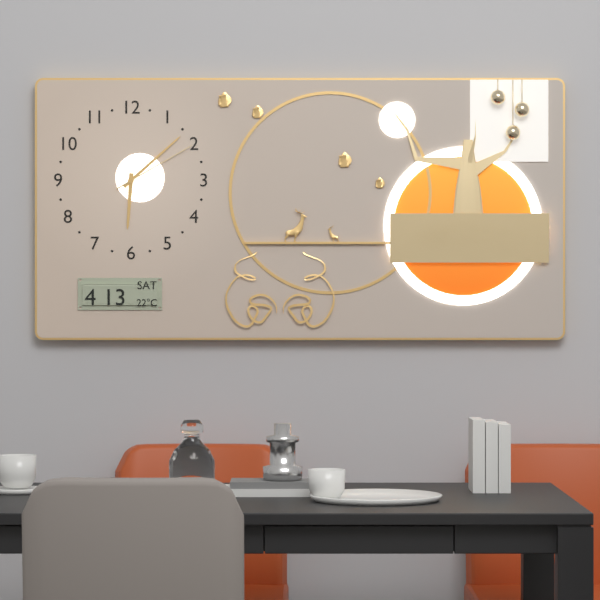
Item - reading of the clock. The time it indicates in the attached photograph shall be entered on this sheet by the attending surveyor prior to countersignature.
6:08:10
